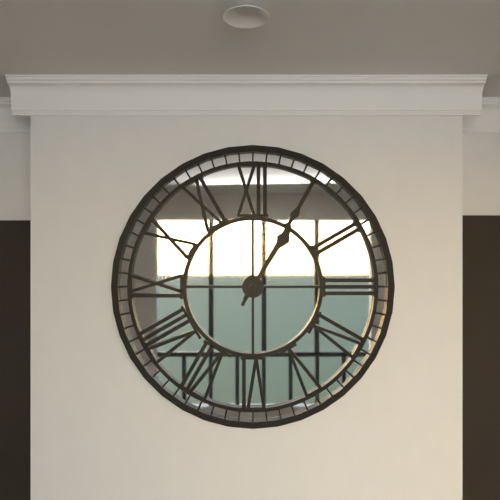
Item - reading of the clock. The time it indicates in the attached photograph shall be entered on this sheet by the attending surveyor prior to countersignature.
1:05
